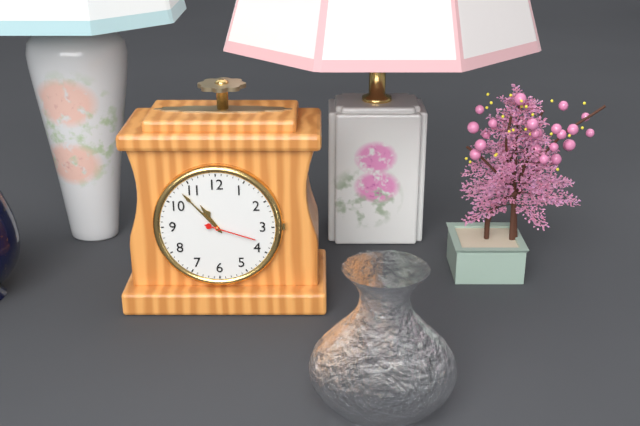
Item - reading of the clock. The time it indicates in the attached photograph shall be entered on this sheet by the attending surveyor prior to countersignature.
10:53:18
